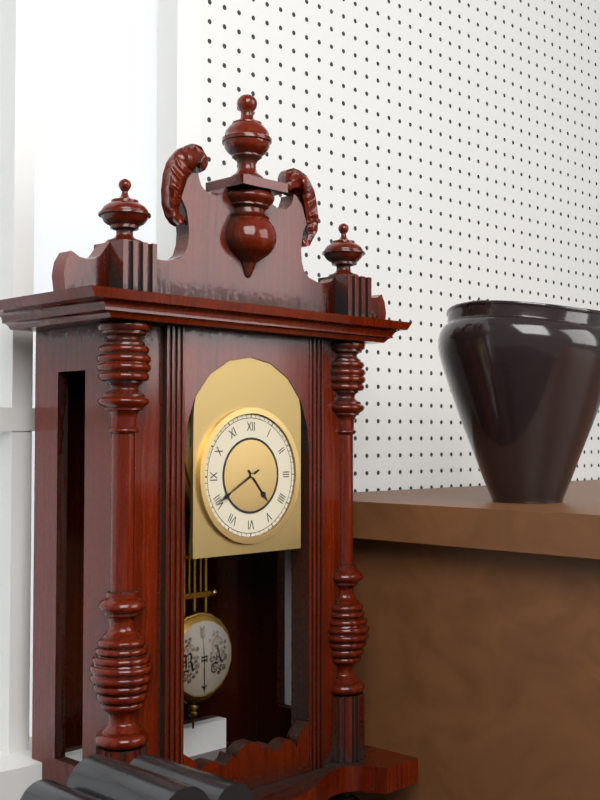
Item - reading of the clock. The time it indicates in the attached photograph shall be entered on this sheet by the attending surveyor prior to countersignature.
4:40
